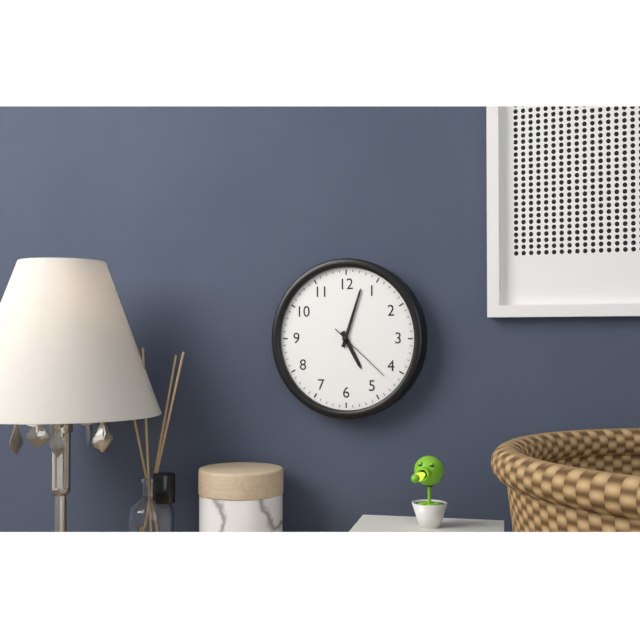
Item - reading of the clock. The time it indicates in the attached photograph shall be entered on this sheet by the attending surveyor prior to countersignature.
5:03:22
